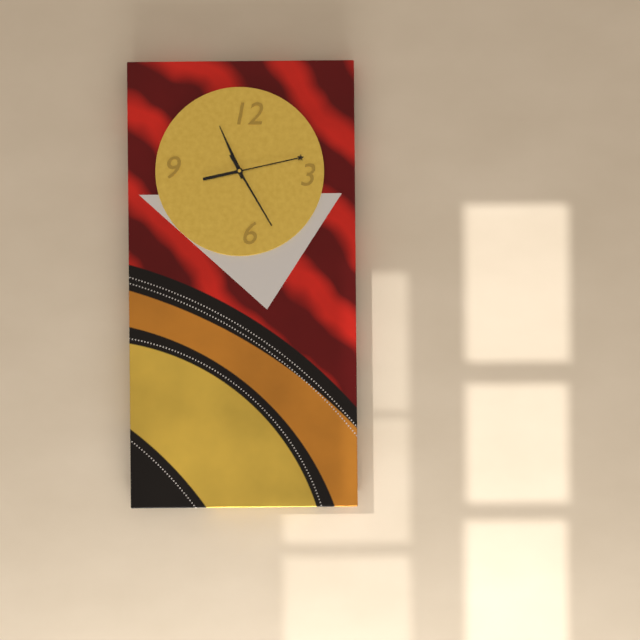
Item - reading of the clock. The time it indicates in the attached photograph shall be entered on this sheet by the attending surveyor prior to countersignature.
11:13:25
